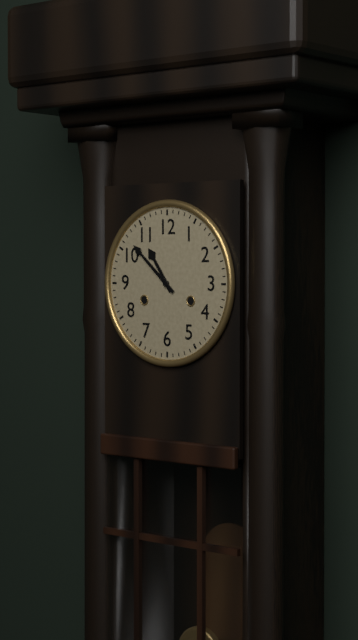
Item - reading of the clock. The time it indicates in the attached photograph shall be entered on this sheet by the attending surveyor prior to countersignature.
10:52
